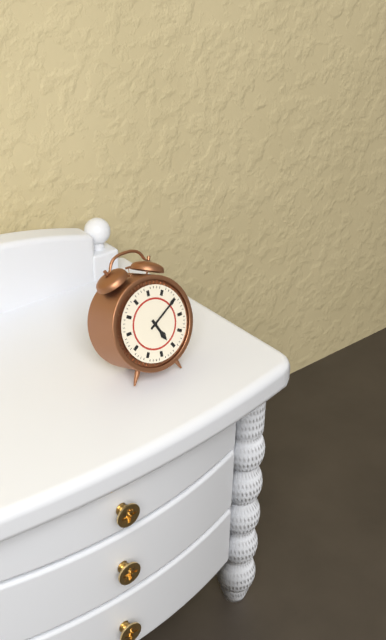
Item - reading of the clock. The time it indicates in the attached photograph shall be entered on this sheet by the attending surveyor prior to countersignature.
5:10
